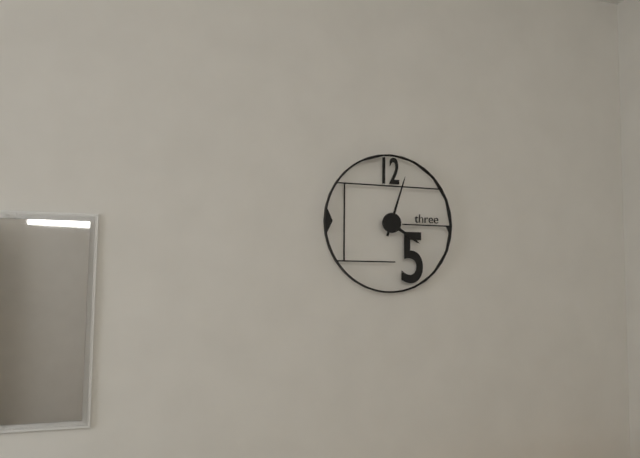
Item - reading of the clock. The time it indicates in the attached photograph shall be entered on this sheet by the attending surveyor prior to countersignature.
4:03
